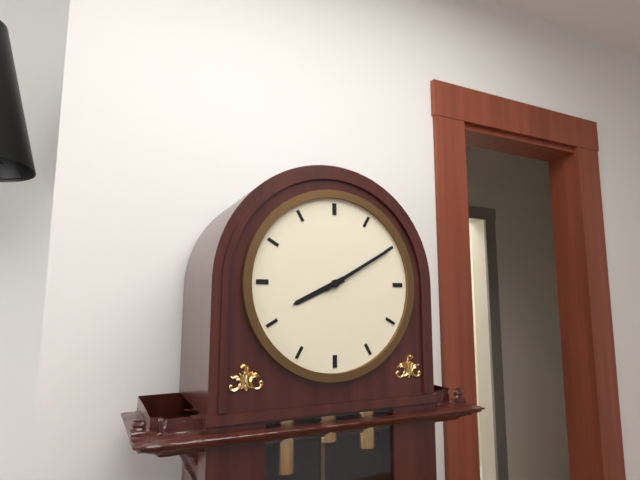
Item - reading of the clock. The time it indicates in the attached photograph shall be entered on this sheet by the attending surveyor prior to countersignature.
8:10
